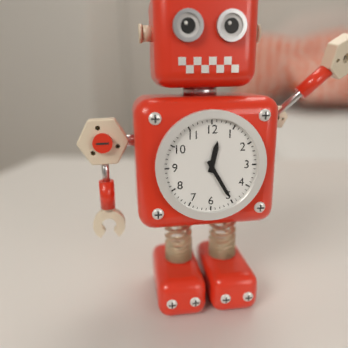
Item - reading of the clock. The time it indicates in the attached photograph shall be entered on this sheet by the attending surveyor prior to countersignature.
12:25
